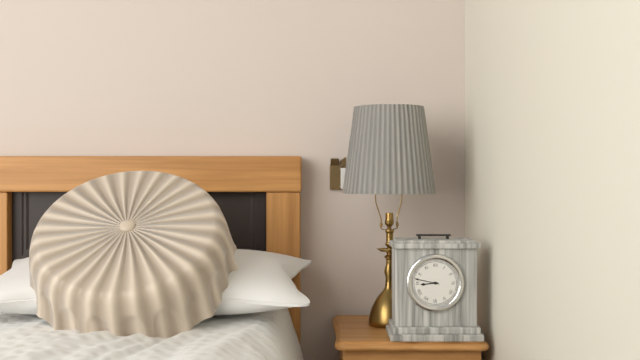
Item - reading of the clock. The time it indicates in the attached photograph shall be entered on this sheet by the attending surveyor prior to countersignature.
8:47
